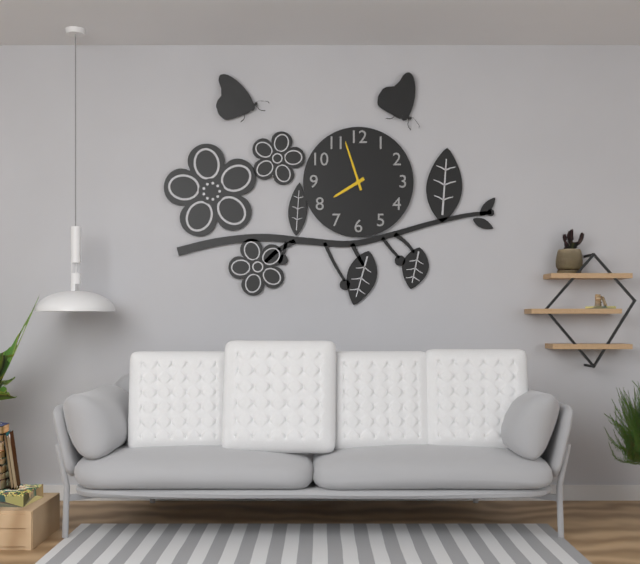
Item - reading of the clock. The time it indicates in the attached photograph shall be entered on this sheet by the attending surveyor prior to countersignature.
7:57
